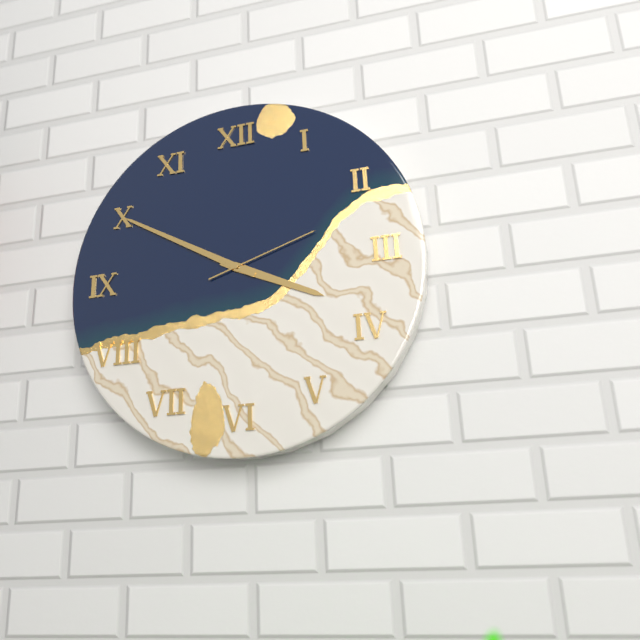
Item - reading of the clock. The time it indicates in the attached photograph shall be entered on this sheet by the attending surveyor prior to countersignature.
3:50:12
